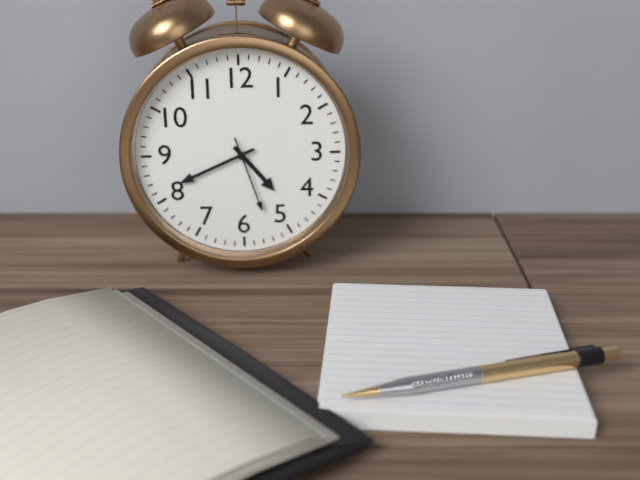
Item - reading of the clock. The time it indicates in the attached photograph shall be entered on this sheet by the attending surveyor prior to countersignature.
4:41:27
